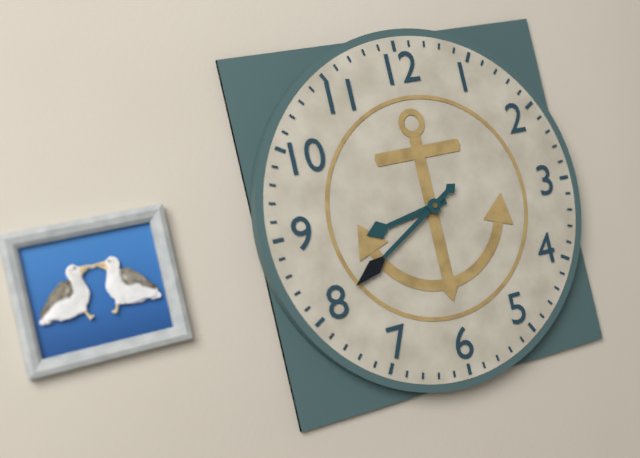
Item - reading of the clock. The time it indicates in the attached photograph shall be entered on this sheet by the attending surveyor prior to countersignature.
8:40
